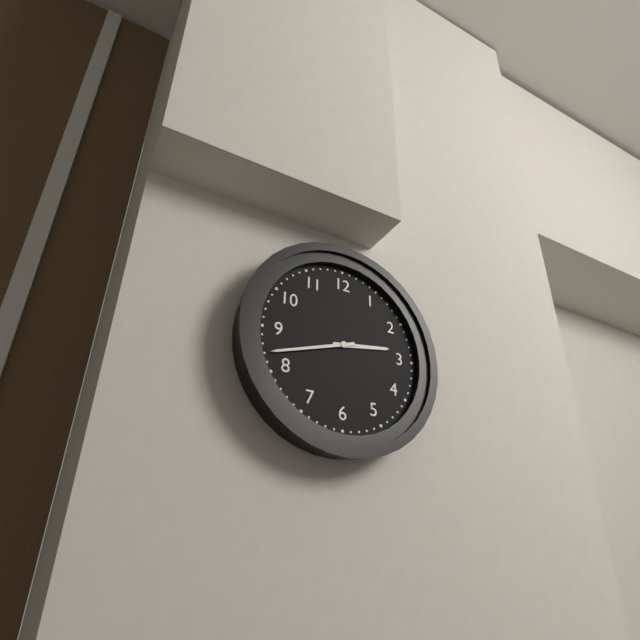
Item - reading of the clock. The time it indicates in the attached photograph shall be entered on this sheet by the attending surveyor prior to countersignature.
2:42
